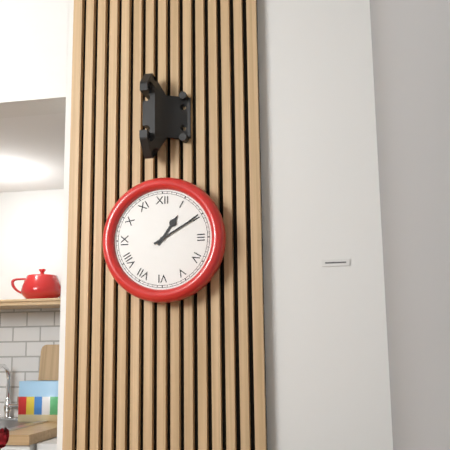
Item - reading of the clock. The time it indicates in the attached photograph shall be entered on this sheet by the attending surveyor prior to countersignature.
1:10
